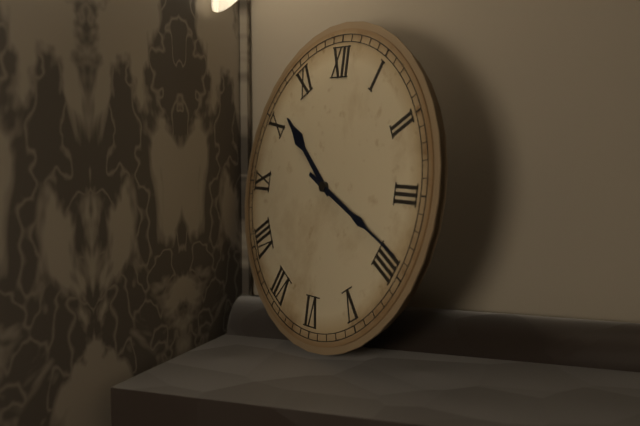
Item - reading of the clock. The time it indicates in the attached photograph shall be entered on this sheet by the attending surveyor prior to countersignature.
10:19
